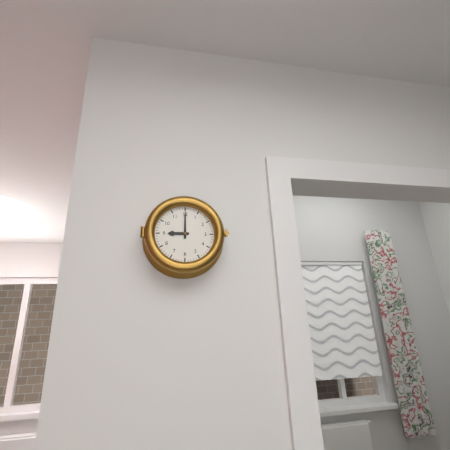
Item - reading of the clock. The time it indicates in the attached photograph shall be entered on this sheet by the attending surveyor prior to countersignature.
9:00
